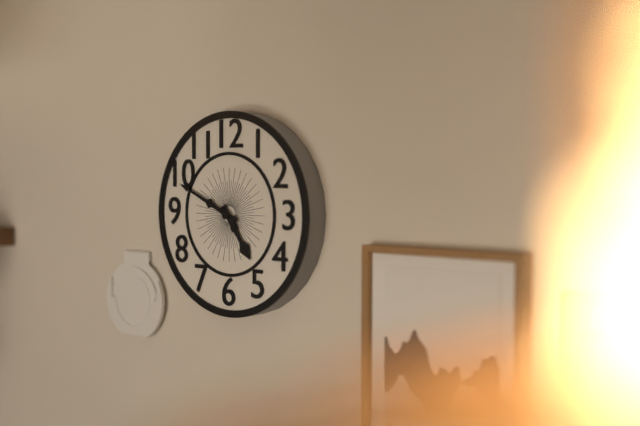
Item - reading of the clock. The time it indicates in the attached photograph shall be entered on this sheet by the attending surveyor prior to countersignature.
4:49
